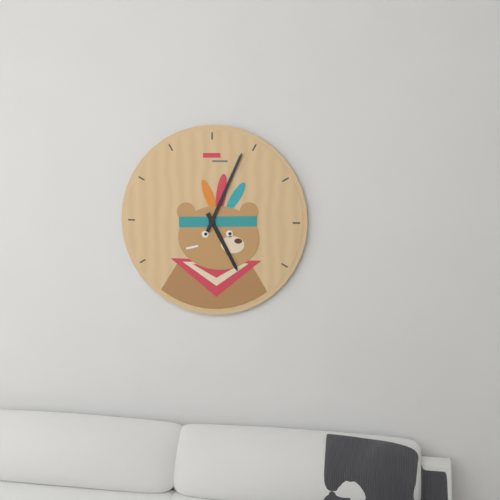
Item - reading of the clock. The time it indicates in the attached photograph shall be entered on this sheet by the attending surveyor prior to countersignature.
5:04
